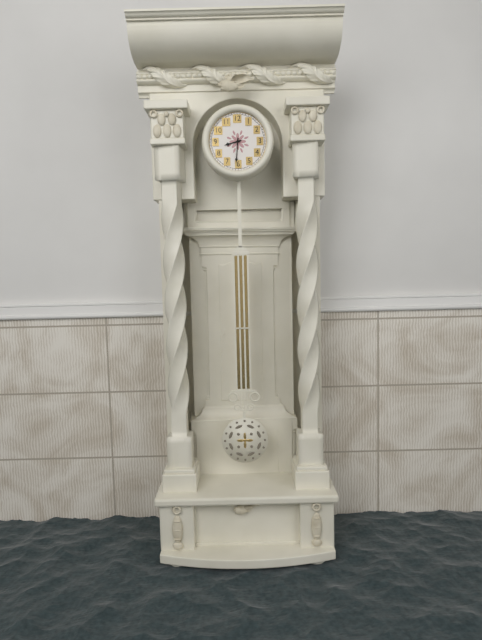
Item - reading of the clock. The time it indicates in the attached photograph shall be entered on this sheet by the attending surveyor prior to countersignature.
8:31
